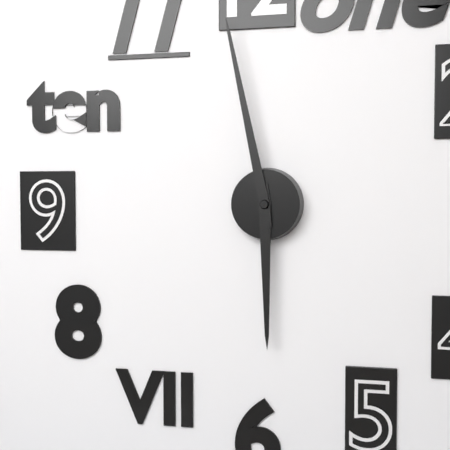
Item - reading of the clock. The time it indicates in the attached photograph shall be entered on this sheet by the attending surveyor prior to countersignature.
5:58
